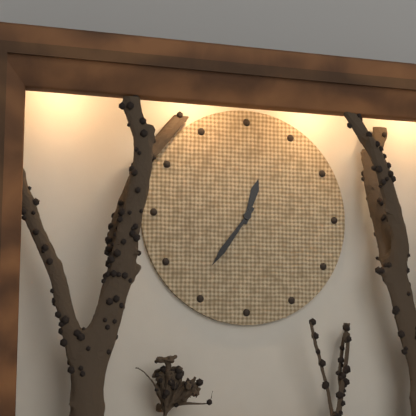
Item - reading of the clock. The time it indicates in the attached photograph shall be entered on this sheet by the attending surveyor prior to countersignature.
12:36
